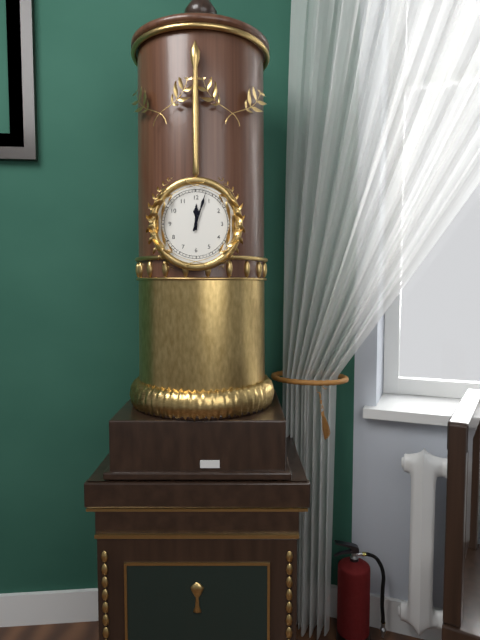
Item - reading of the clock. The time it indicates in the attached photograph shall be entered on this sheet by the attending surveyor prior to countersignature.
12:03
